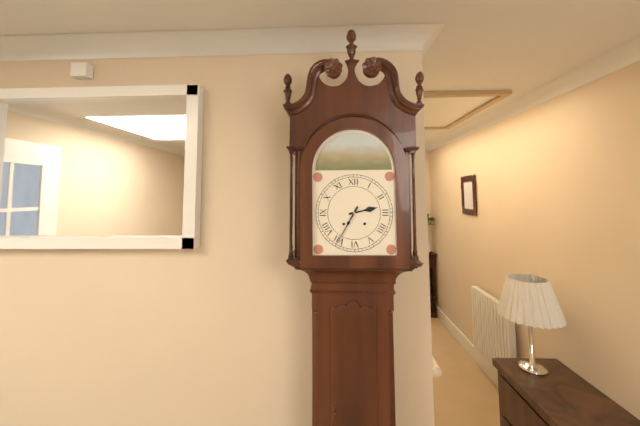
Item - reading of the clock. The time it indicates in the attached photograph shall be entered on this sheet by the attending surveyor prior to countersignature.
2:35
